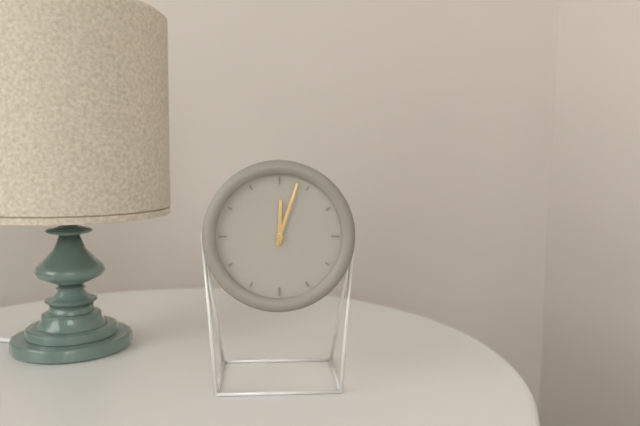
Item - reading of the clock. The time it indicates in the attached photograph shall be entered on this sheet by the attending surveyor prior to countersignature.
12:03
